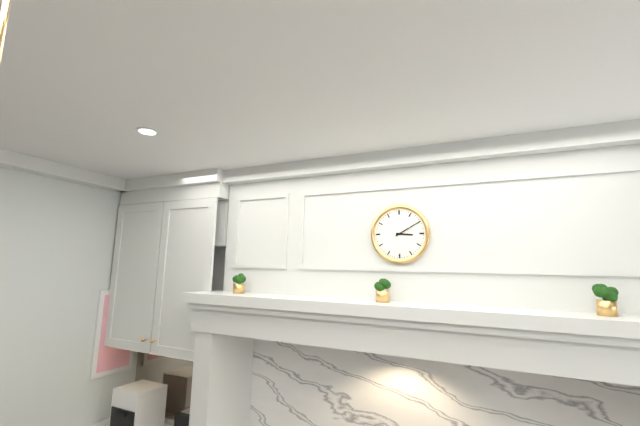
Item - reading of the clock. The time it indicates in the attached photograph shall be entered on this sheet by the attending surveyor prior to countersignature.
3:10
